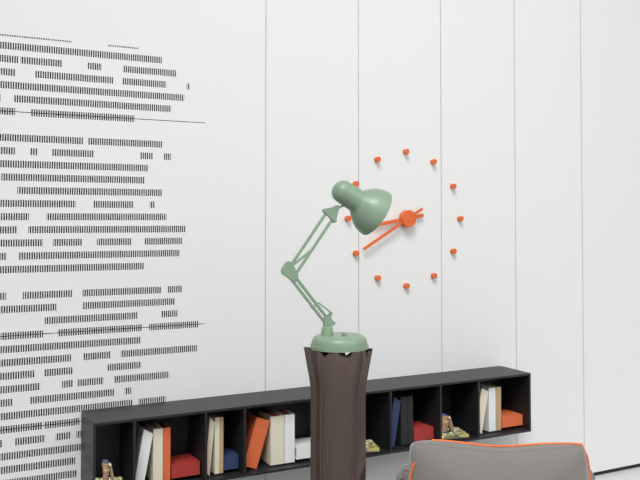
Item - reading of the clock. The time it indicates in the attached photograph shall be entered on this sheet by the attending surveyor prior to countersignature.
8:40
